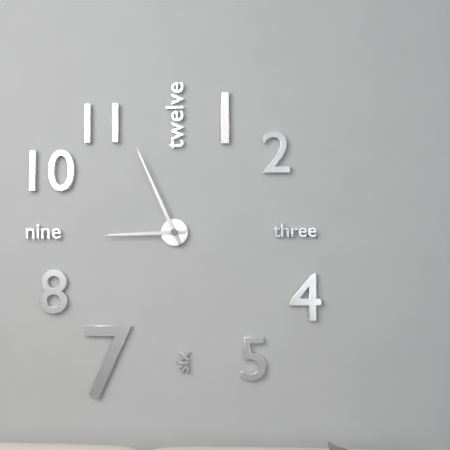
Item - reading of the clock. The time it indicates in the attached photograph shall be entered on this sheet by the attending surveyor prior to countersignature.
8:56
